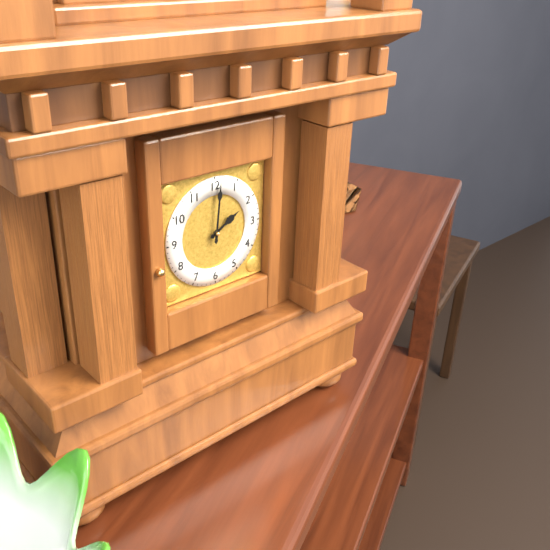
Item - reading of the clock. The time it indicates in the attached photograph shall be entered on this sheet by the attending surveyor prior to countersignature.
2:01
